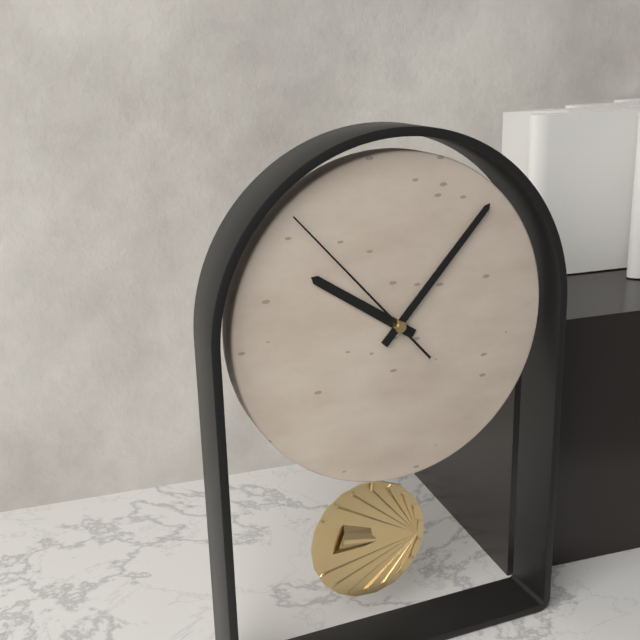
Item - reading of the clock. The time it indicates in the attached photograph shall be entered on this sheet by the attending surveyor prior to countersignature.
10:07:53
